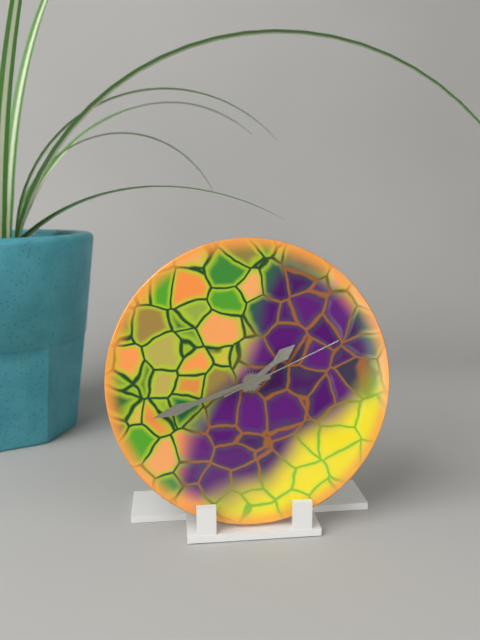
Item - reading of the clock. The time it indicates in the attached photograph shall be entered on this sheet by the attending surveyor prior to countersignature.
1:42:11
